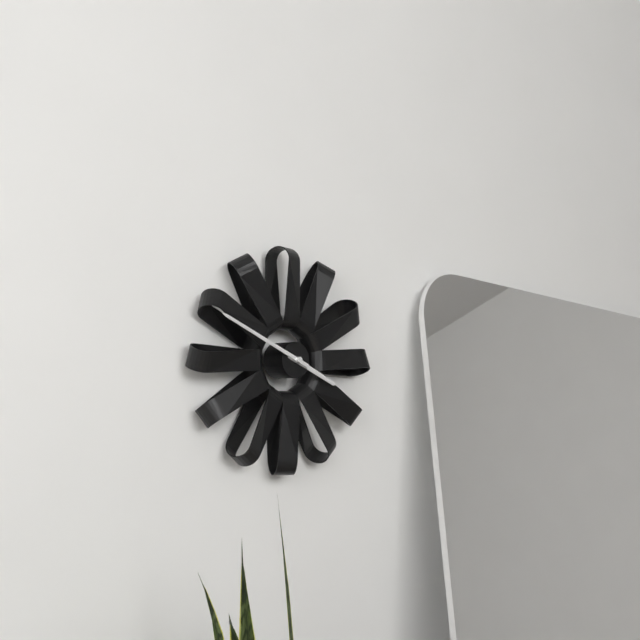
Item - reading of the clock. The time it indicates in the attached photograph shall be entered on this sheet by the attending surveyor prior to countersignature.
3:49
